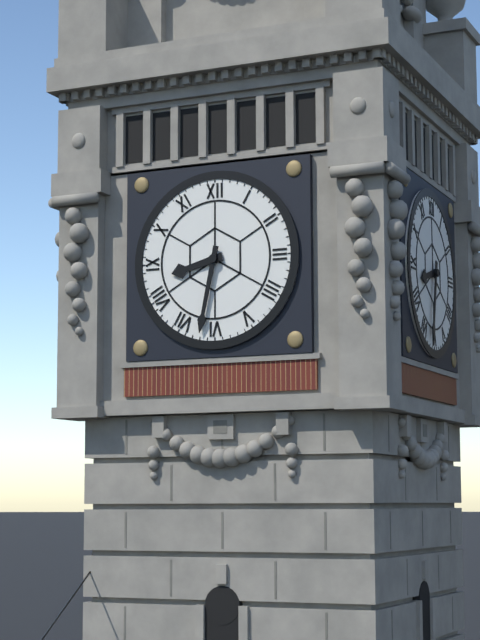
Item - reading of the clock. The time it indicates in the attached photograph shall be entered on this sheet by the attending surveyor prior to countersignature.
8:32
